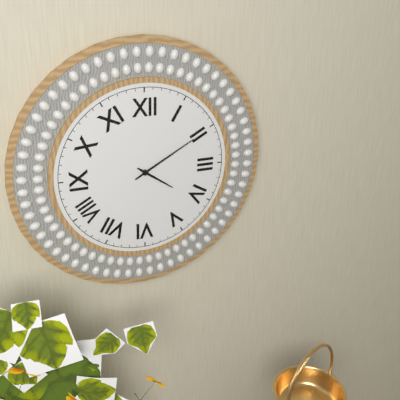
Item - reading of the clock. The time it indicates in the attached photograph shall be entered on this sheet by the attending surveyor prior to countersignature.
4:10
